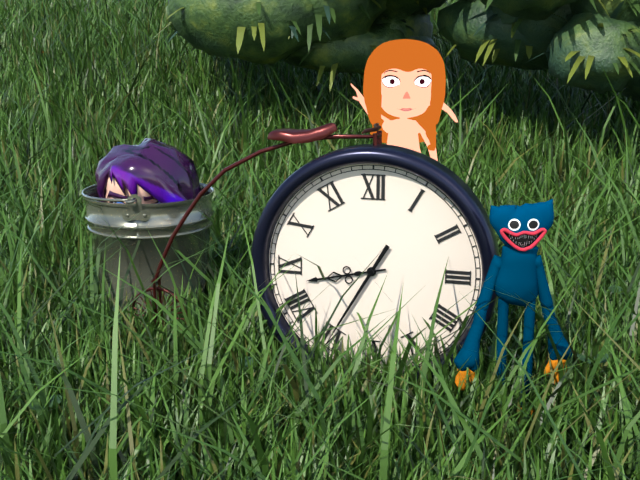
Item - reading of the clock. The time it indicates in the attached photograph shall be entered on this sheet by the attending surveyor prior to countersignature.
8:35
